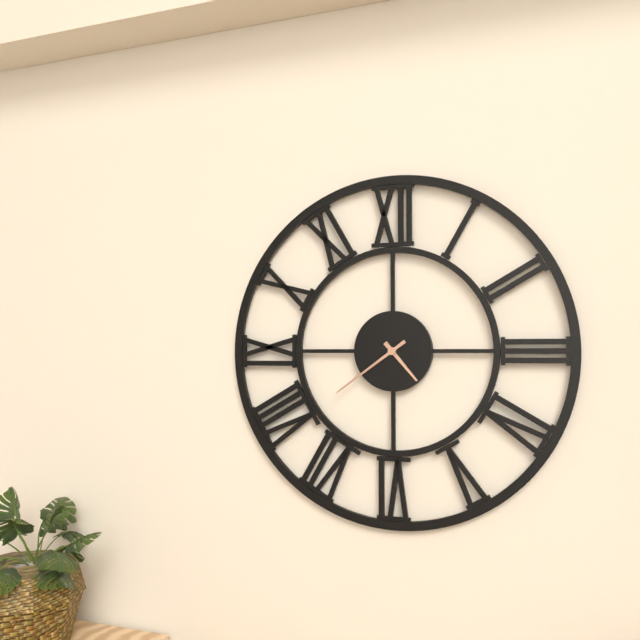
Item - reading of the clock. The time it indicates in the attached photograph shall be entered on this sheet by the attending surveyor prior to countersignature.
4:39
